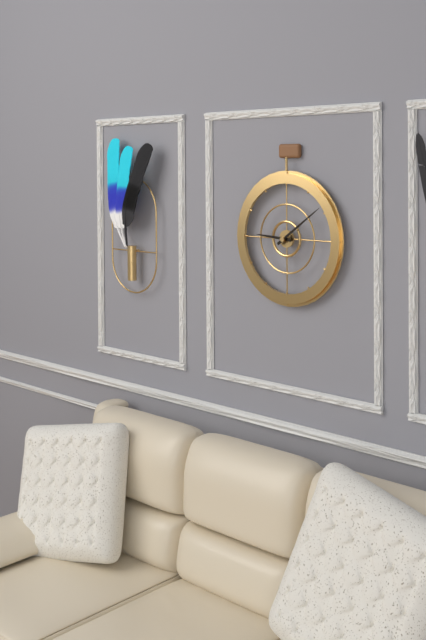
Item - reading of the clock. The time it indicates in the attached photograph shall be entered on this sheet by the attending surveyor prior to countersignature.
9:09
